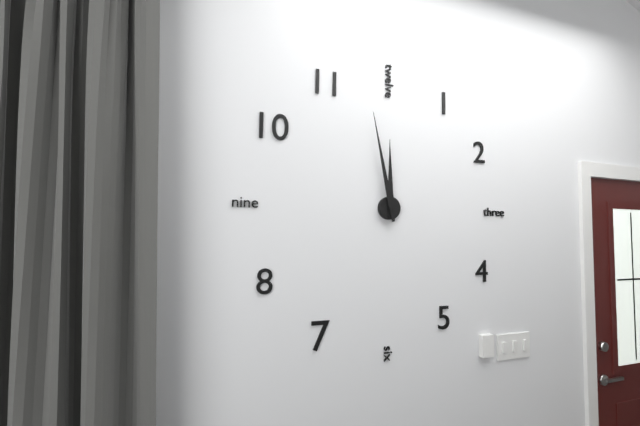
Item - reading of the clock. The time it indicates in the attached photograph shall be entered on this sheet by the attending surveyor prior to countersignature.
11:58
